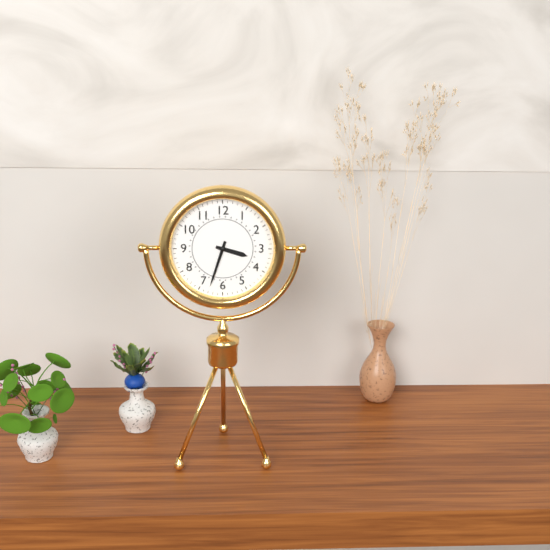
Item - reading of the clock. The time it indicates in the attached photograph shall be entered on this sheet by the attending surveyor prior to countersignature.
3:33
